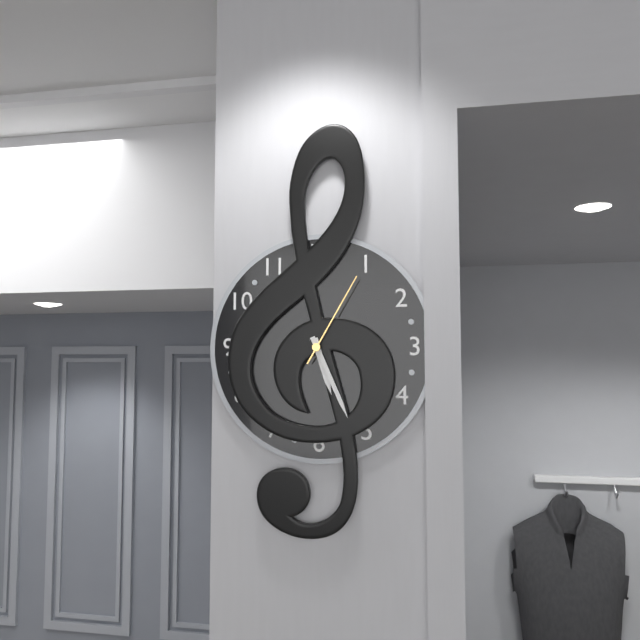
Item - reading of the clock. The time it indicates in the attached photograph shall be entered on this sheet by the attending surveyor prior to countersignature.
5:26:05
